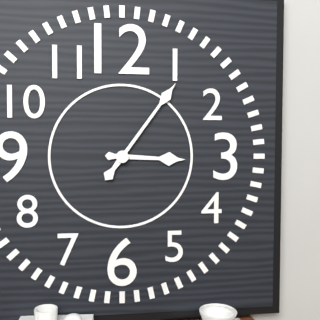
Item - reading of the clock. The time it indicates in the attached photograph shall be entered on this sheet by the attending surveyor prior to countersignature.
3:06
